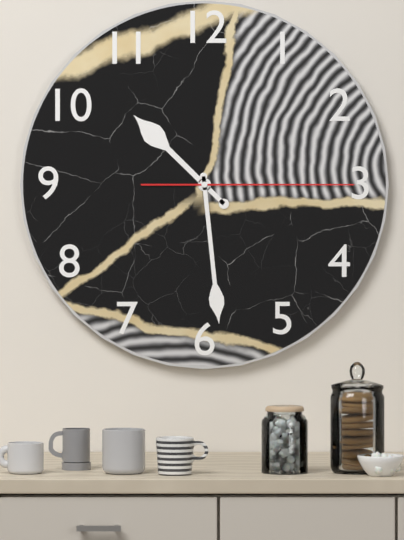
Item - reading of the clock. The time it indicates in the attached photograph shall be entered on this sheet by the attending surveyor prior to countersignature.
10:29:15
